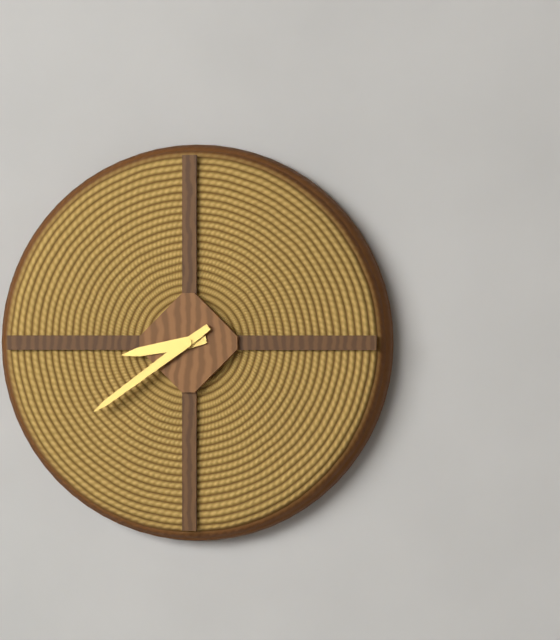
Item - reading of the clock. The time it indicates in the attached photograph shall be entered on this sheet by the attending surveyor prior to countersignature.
8:39
